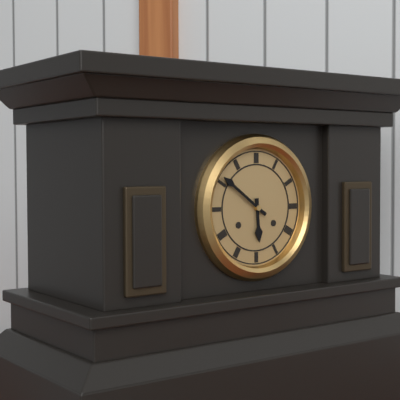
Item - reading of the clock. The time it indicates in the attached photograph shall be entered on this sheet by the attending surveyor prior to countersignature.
5:51
